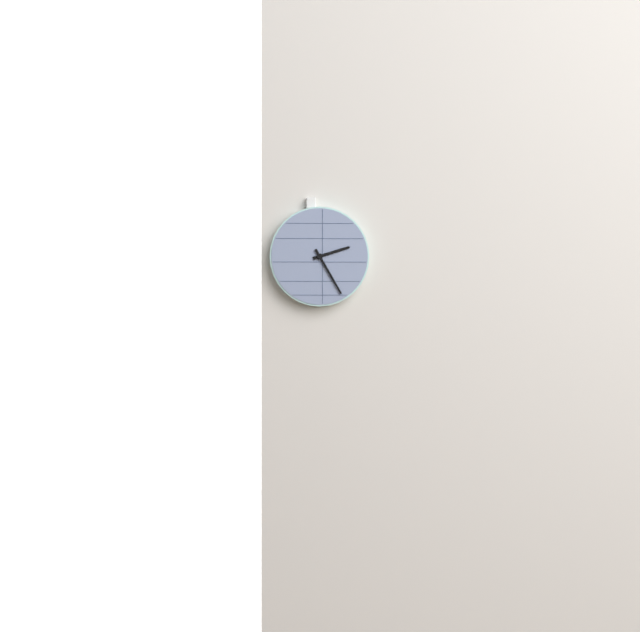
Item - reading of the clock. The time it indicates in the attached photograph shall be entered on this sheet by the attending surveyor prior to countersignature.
2:25
